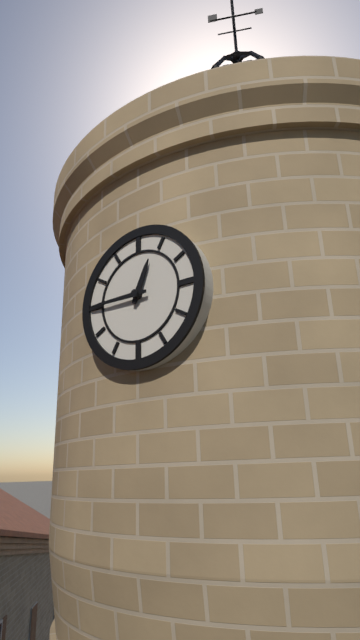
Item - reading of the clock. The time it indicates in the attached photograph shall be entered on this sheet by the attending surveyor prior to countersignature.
12:45
